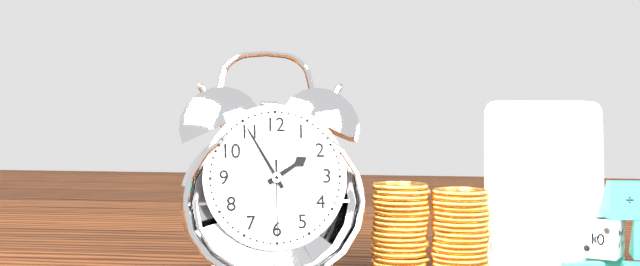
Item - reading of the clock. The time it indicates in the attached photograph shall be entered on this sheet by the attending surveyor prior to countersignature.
1:55:30
